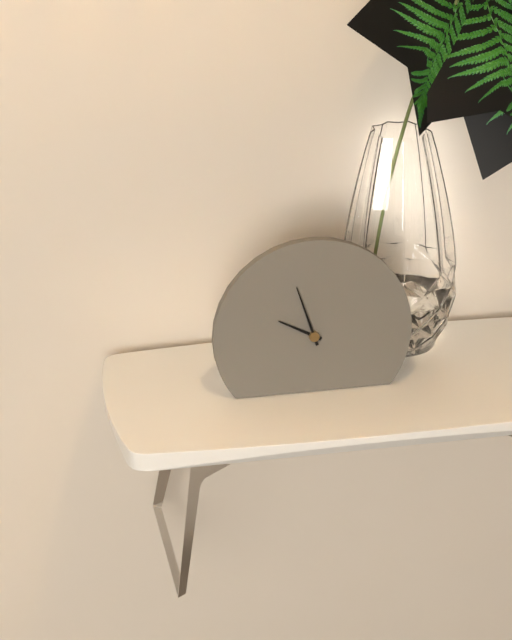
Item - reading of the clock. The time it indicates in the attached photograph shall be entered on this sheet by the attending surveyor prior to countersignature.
9:57
